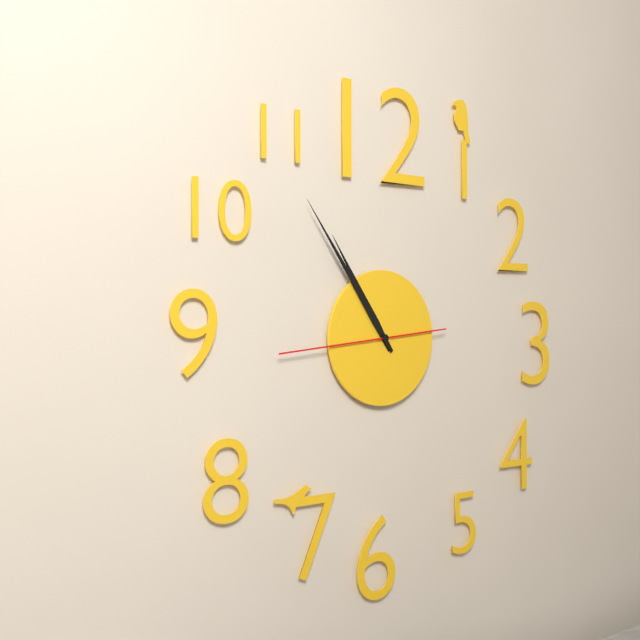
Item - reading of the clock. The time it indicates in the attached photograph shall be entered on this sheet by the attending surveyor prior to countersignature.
10:54:44
